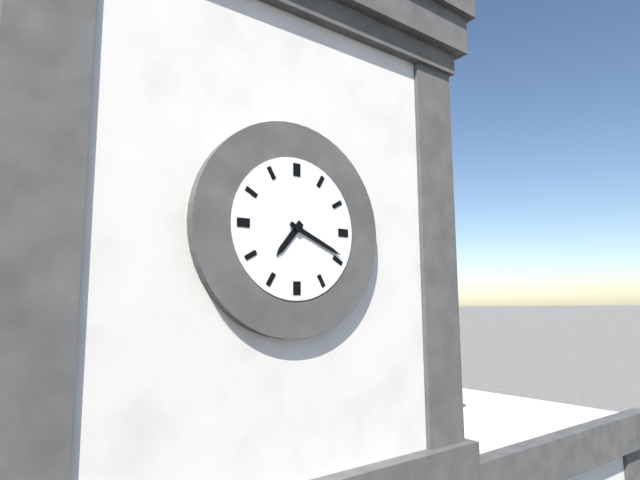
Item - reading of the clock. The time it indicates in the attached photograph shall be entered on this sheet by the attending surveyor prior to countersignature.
7:19
